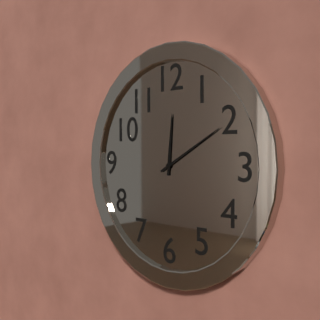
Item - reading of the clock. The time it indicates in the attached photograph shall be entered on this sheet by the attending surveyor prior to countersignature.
12:10
